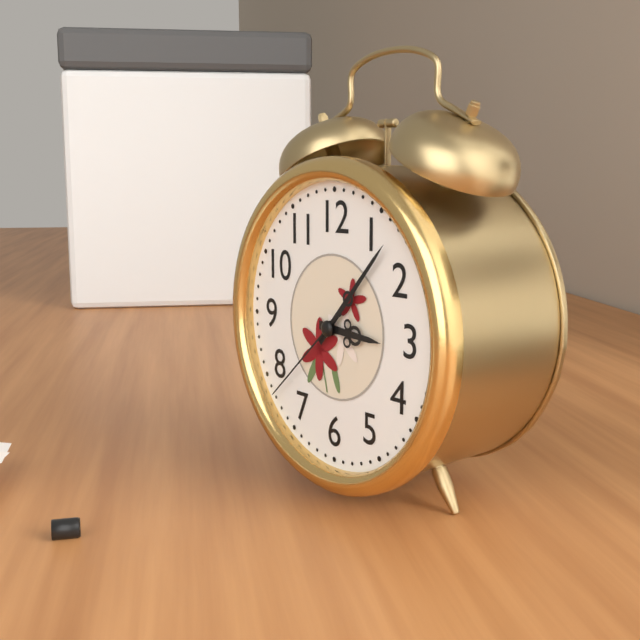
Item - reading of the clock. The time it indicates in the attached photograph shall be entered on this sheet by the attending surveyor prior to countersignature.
3:07:38
